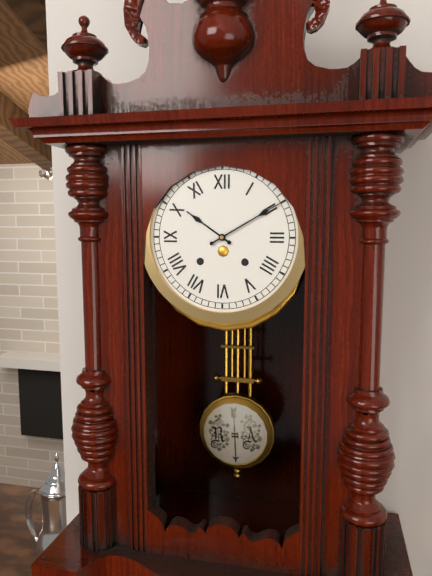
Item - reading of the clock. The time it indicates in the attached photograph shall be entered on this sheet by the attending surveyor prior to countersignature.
10:10
